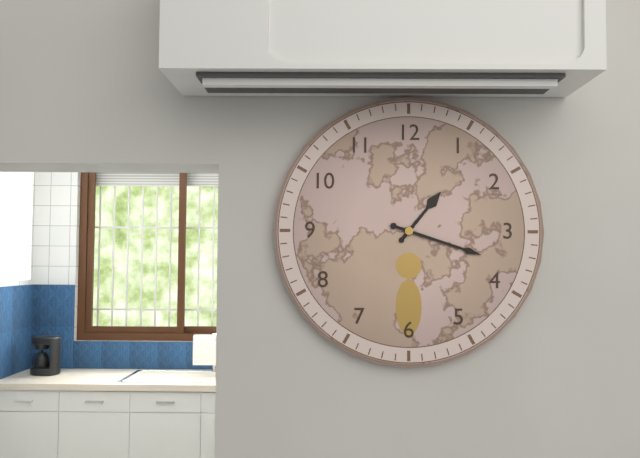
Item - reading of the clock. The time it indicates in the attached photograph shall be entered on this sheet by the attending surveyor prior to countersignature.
1:18
